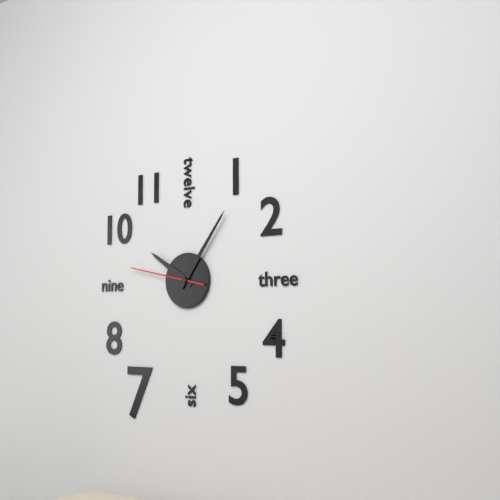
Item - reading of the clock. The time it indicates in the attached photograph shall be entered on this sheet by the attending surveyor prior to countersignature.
10:06:47
